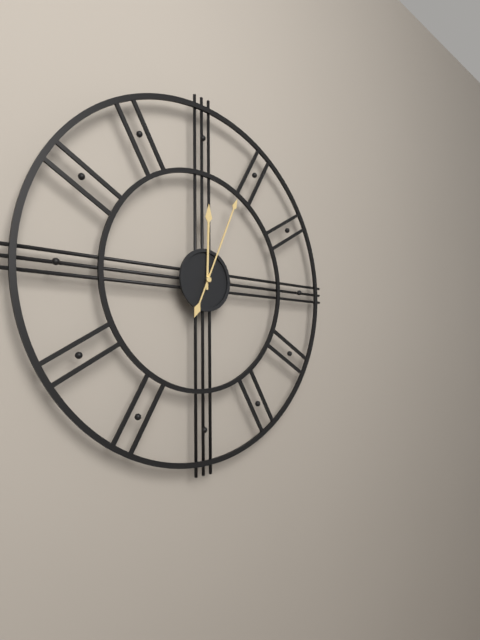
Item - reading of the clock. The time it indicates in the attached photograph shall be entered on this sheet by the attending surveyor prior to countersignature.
12:04
